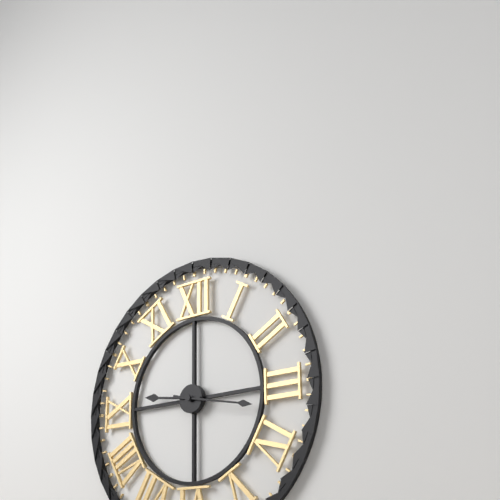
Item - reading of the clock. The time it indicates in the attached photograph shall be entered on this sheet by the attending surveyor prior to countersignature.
9:17
